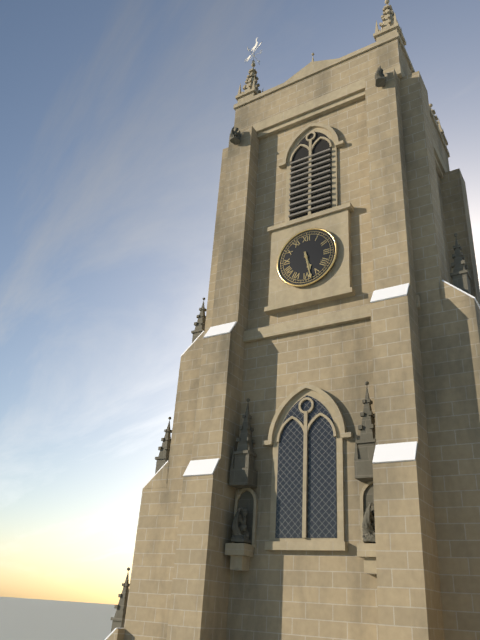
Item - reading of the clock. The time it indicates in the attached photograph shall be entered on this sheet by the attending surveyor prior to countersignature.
5:28
